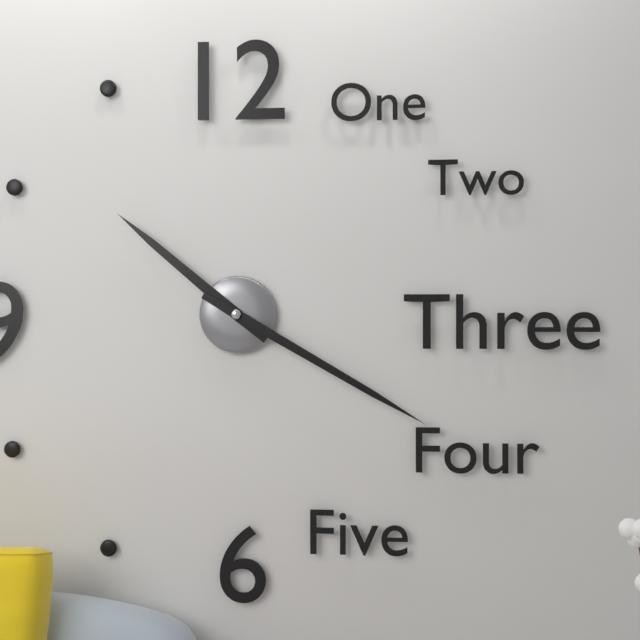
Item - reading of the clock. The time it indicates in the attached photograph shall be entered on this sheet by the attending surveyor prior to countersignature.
10:20
